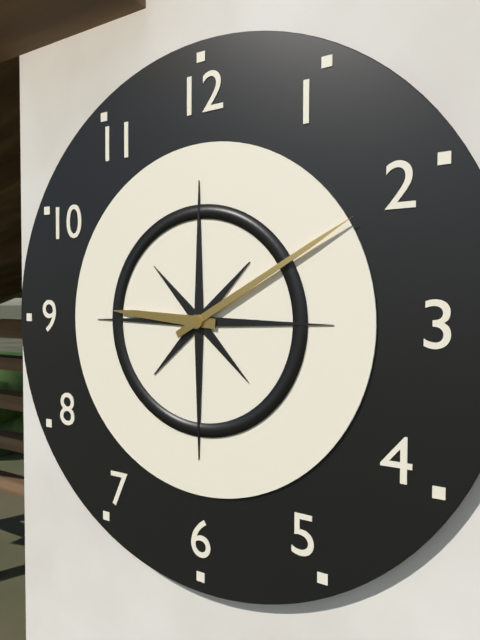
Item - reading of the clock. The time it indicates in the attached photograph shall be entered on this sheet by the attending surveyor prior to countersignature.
9:10
